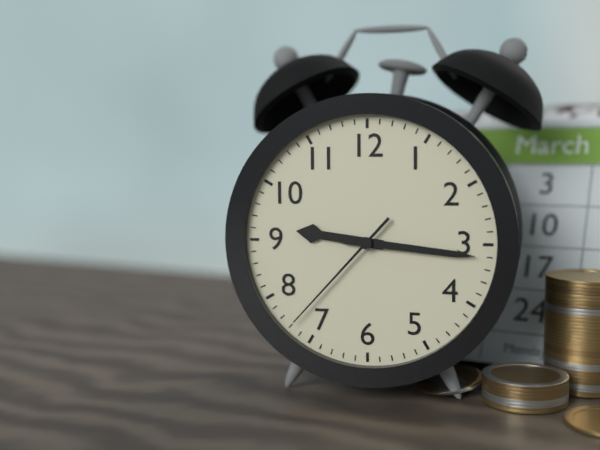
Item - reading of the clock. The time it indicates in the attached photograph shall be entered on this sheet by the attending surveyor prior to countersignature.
9:16:37
